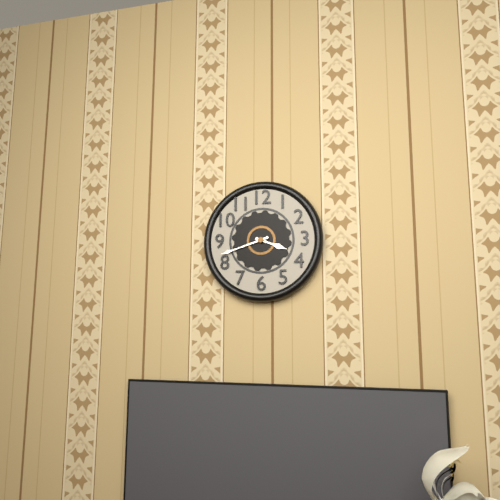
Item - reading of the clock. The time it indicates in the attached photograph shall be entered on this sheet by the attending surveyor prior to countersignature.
3:42
